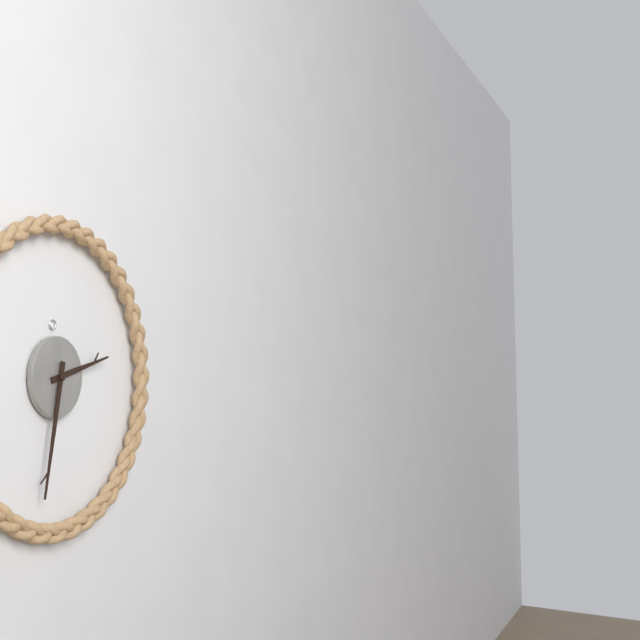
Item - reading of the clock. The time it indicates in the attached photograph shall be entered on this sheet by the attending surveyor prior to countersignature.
2:32
